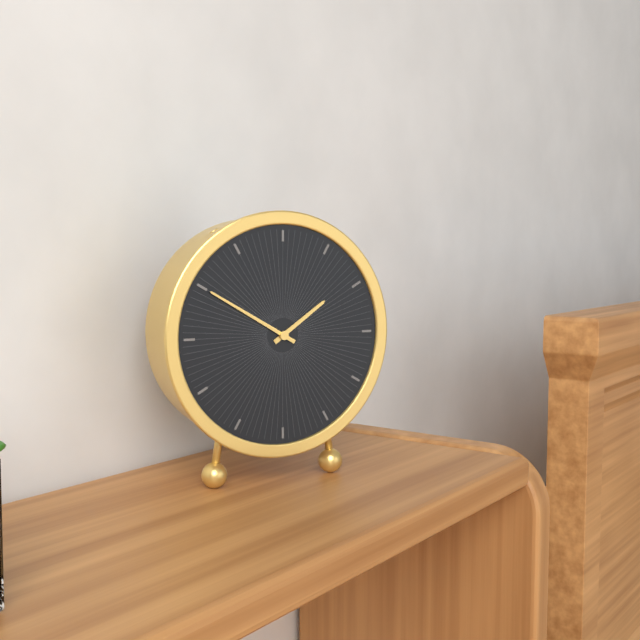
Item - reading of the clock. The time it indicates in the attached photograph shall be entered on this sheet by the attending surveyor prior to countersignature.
1:50
